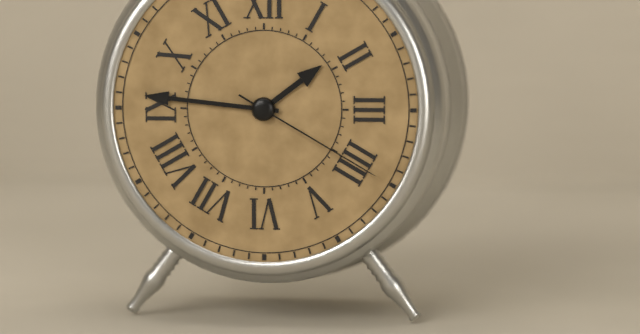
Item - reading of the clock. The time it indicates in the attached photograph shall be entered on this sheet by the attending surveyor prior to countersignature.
1:46:20
